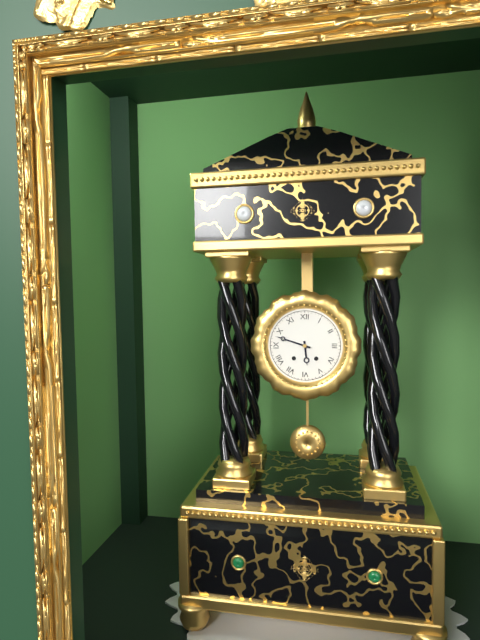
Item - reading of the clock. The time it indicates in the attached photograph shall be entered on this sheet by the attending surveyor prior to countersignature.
5:48
